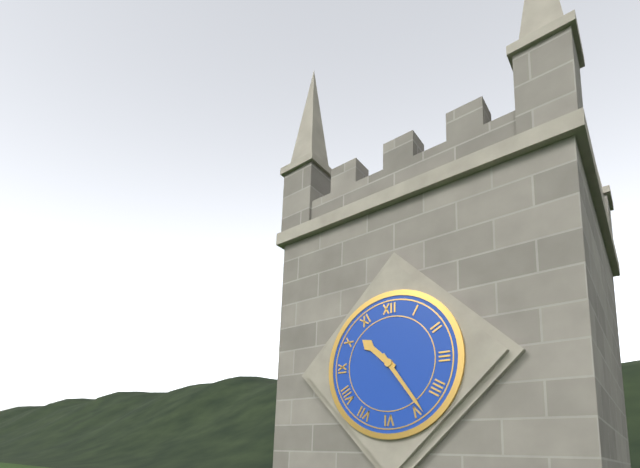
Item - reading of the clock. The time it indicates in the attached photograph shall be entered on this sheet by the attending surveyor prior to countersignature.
10:24
